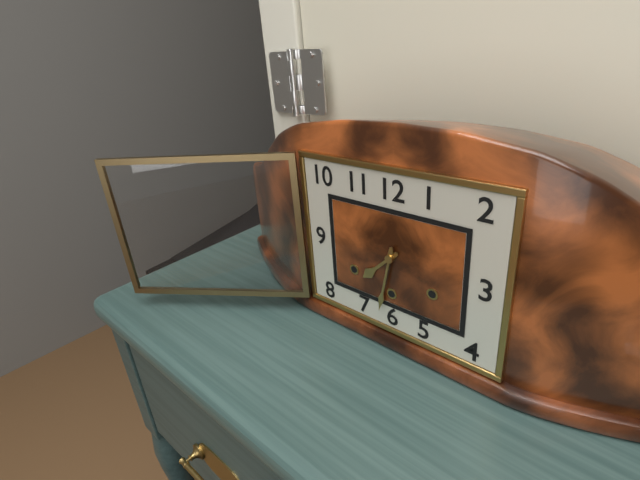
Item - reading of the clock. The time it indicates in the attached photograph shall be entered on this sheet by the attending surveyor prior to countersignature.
7:32
